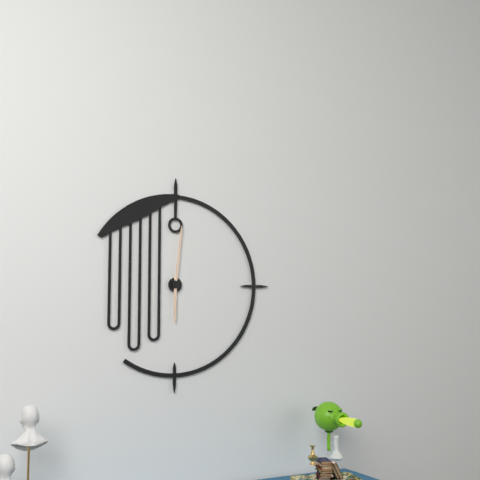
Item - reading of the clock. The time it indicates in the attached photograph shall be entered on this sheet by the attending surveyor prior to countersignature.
6:01
